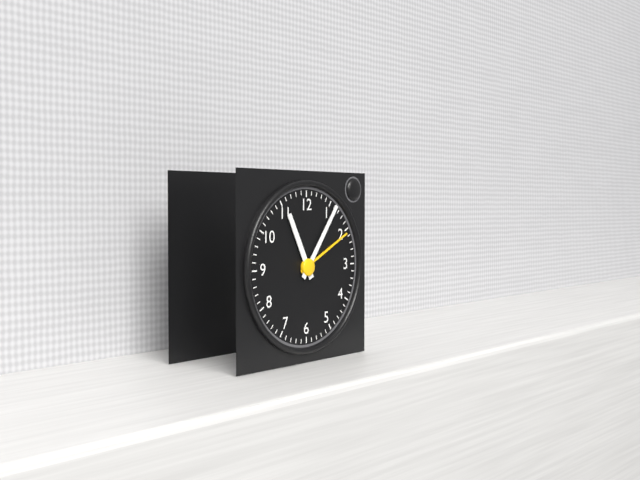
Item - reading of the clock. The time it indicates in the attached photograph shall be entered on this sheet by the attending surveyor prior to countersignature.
11:06
